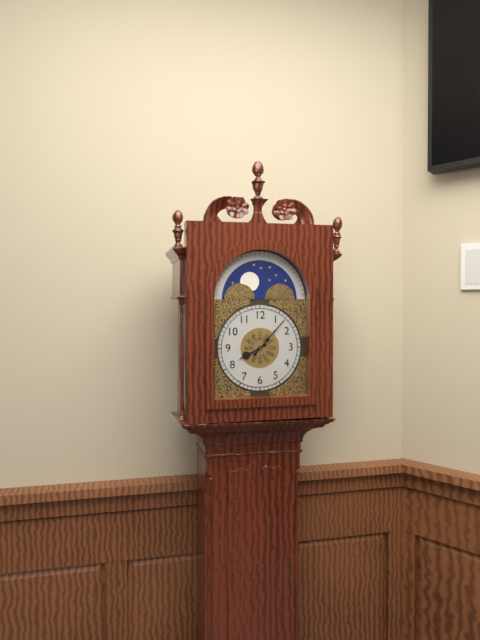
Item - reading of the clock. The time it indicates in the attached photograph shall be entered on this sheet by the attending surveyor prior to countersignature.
8:07
